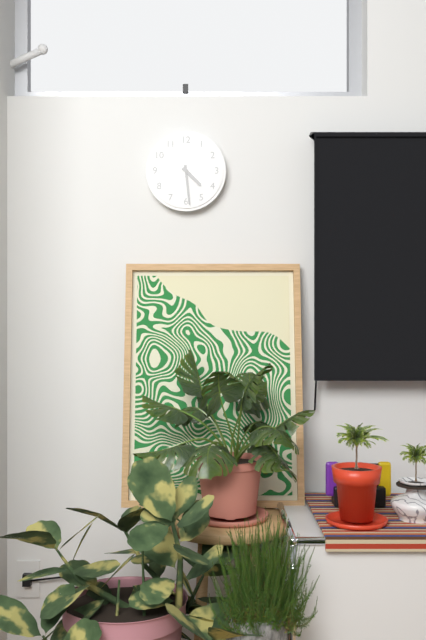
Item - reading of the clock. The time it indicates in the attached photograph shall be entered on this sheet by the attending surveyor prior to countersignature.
4:29
